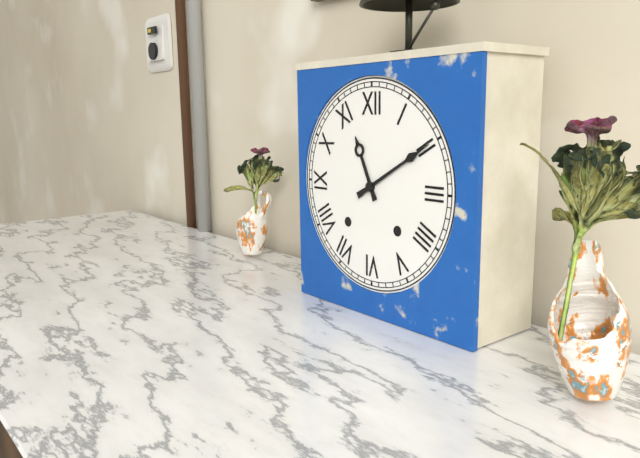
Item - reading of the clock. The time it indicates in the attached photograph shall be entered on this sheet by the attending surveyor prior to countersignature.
11:10
